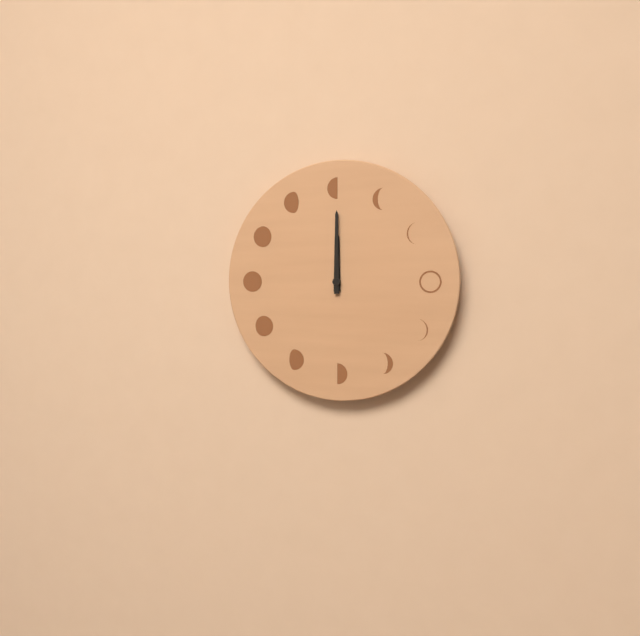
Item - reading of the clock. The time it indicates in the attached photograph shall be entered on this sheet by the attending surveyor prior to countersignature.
12:00
